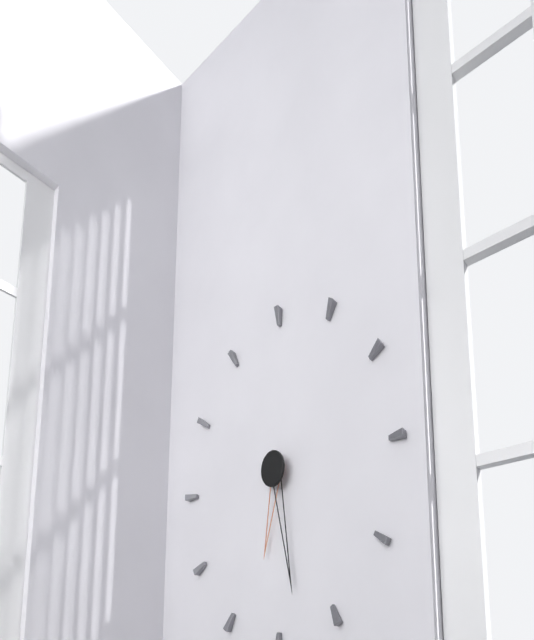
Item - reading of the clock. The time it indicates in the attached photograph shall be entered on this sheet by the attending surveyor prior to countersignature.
6:28
